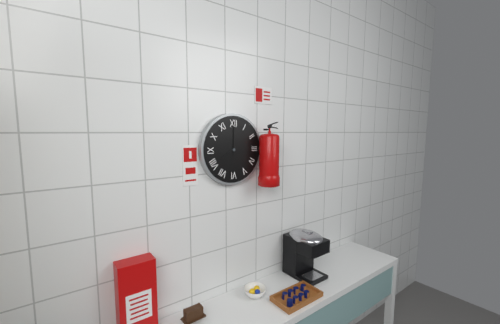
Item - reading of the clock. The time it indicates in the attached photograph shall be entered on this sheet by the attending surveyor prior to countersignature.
8:00
